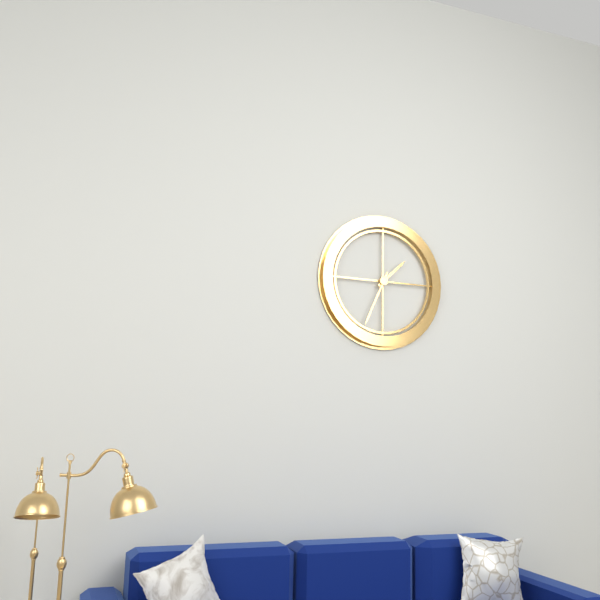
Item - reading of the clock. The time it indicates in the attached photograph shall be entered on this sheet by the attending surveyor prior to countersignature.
1:34
